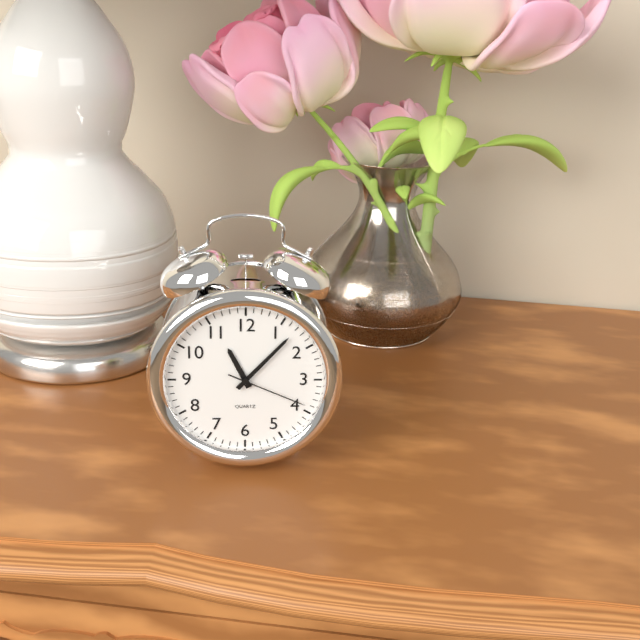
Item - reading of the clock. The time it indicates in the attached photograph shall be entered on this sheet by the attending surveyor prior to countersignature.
11:07:19
